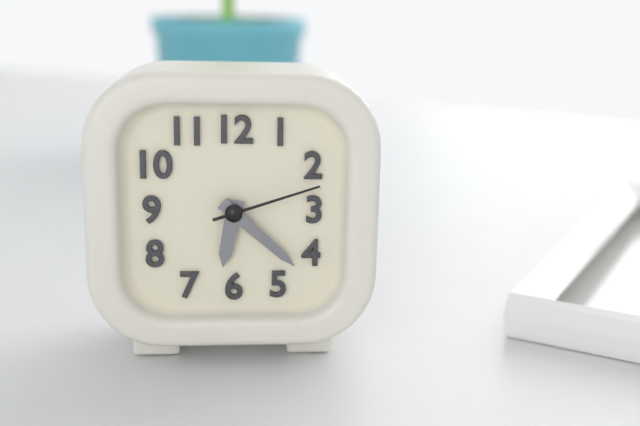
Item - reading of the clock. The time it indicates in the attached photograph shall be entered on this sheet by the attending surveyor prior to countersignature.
6:22:12
